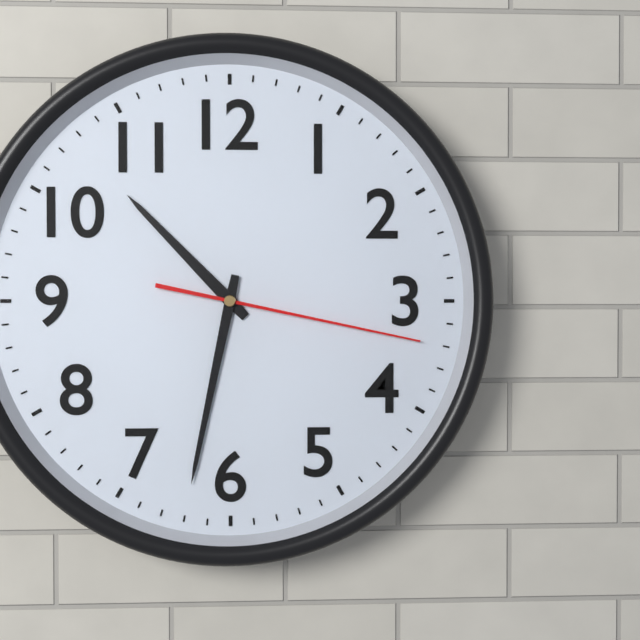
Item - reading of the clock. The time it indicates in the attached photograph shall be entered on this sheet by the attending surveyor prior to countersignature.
10:32:17
